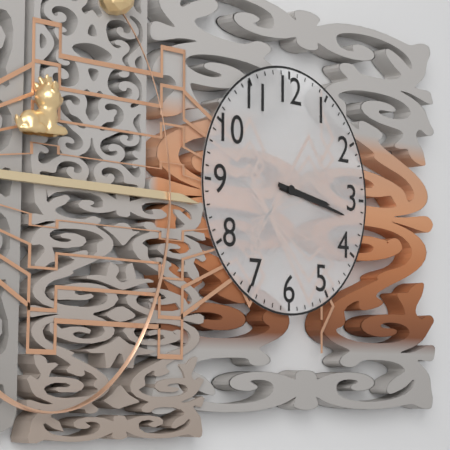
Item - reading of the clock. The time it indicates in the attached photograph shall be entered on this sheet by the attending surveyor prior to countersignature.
3:17
